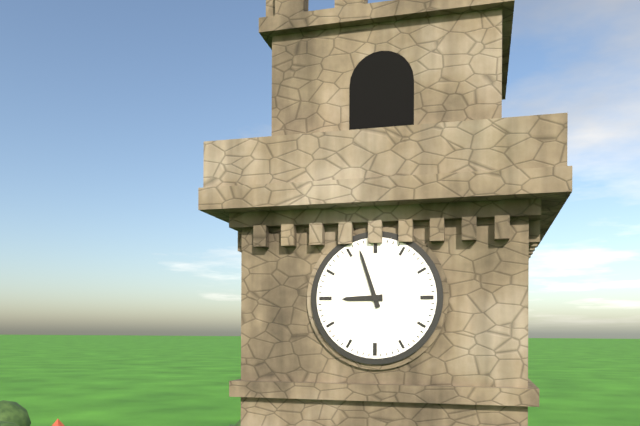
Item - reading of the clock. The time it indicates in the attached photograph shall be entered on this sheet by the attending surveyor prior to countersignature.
8:57
